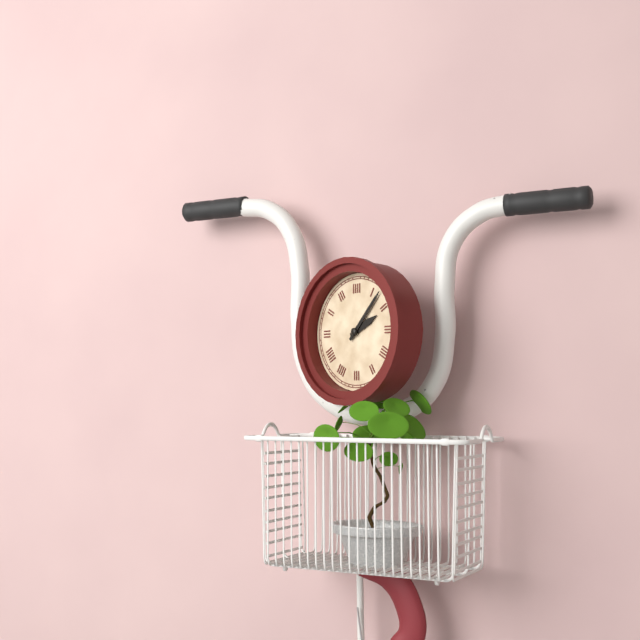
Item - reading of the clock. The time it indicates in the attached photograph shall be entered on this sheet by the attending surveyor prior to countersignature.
2:07
